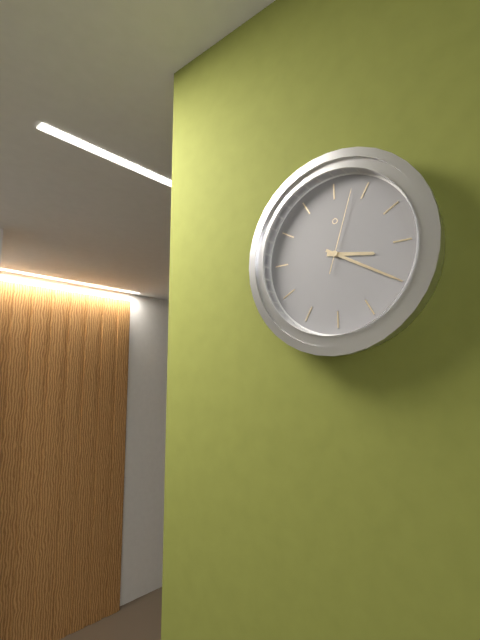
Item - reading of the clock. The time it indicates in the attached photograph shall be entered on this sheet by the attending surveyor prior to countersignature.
3:20:03
